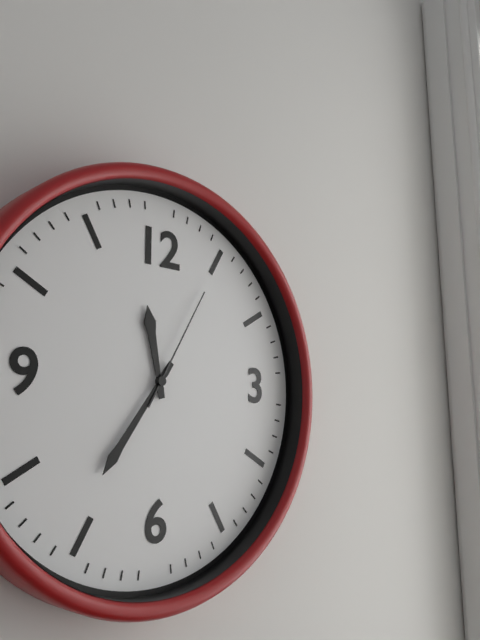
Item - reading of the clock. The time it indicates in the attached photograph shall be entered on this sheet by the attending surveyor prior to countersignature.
11:36:05
